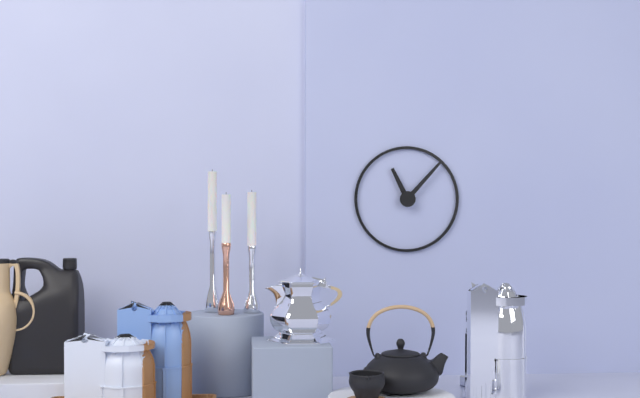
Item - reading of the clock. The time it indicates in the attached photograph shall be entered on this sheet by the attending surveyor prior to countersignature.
11:07
